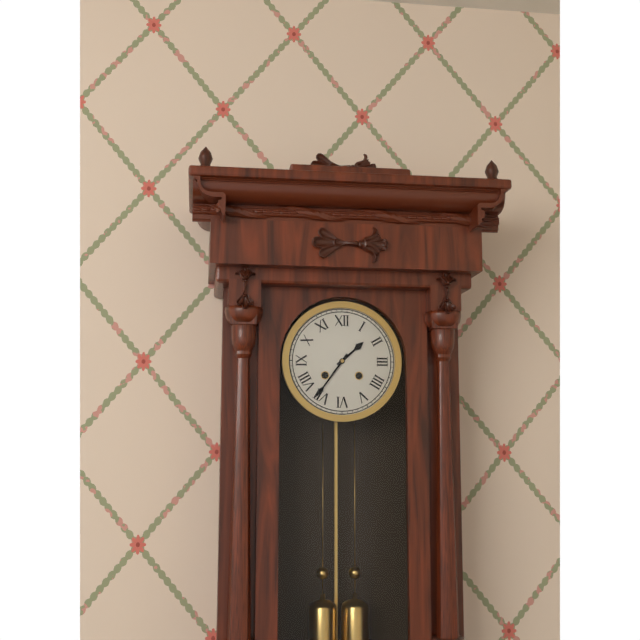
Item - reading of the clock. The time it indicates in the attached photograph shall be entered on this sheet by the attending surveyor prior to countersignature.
1:36
